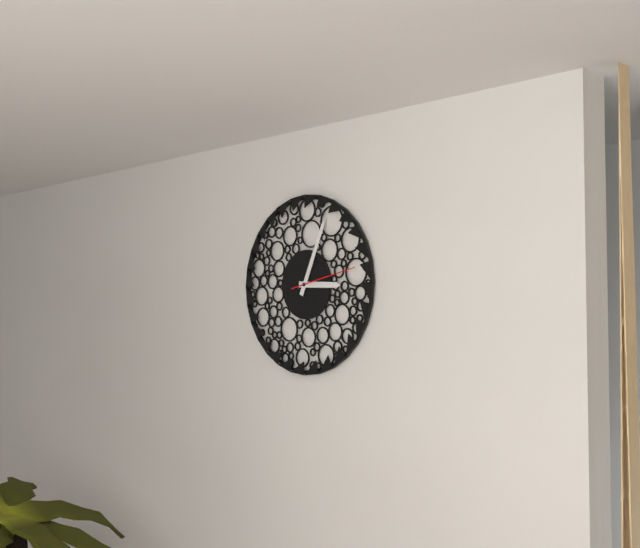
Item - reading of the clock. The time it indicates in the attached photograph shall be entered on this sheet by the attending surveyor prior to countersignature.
3:04:13
